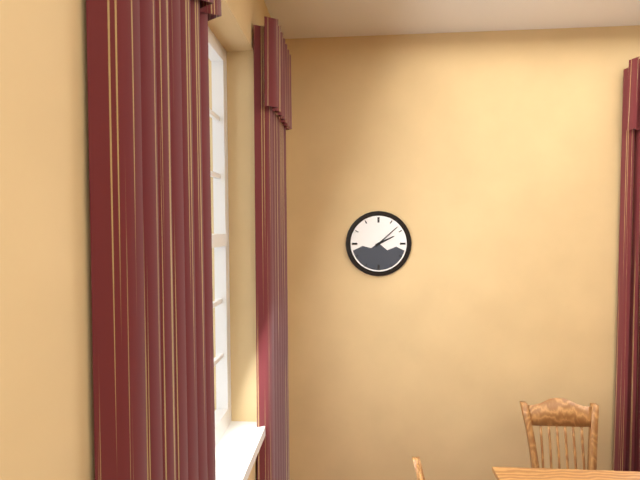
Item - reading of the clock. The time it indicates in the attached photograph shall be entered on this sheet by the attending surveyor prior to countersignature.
2:08
